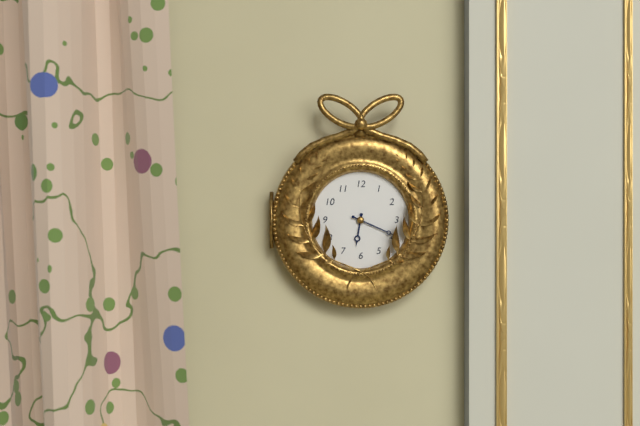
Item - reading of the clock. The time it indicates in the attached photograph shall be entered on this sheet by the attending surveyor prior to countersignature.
6:19
